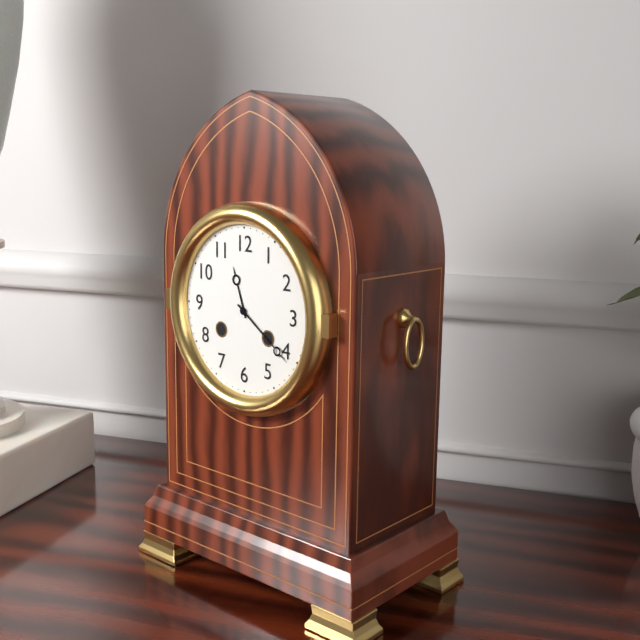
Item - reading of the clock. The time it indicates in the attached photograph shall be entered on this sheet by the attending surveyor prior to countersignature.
11:21
